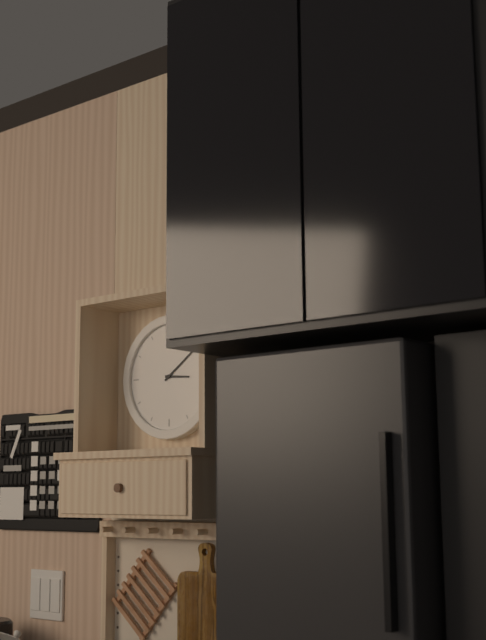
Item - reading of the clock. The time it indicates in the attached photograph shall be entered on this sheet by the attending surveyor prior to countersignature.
3:09
